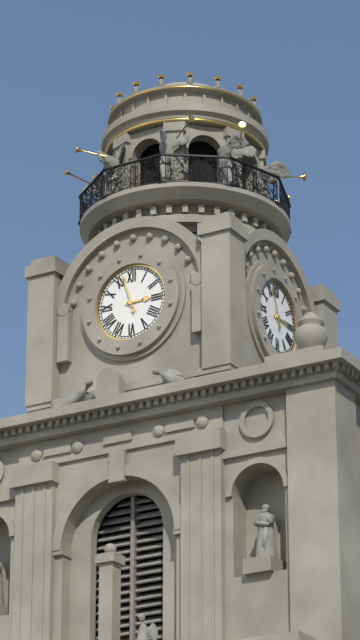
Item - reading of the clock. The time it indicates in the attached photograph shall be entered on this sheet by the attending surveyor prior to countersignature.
2:57
